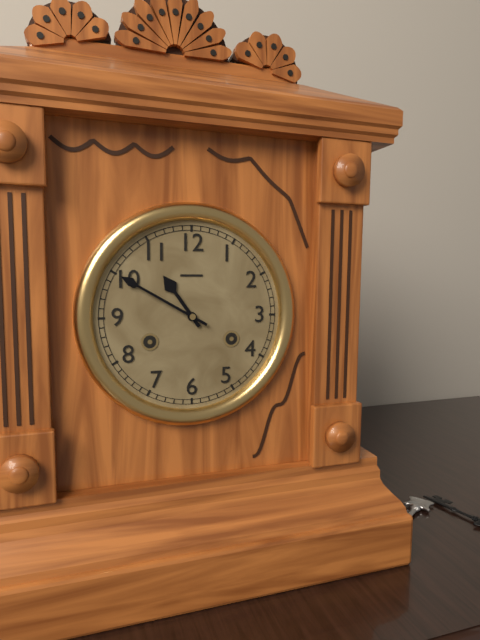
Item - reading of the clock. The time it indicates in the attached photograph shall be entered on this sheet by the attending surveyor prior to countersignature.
10:50
